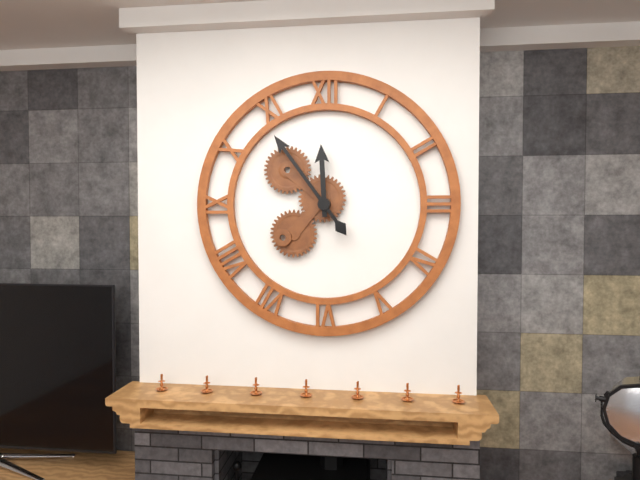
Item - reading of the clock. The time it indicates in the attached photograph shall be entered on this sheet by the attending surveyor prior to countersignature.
11:54
